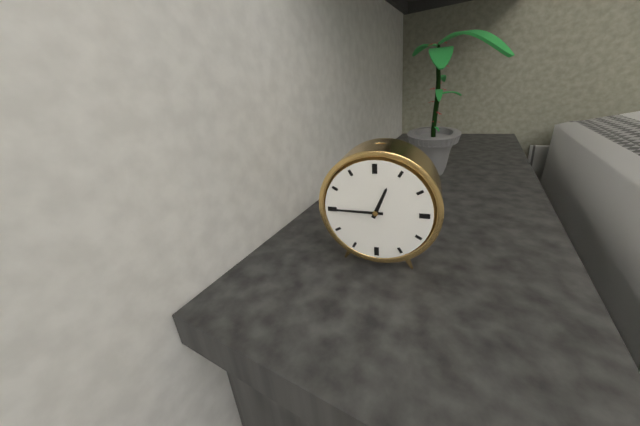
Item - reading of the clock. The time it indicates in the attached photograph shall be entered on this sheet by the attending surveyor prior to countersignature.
12:45
